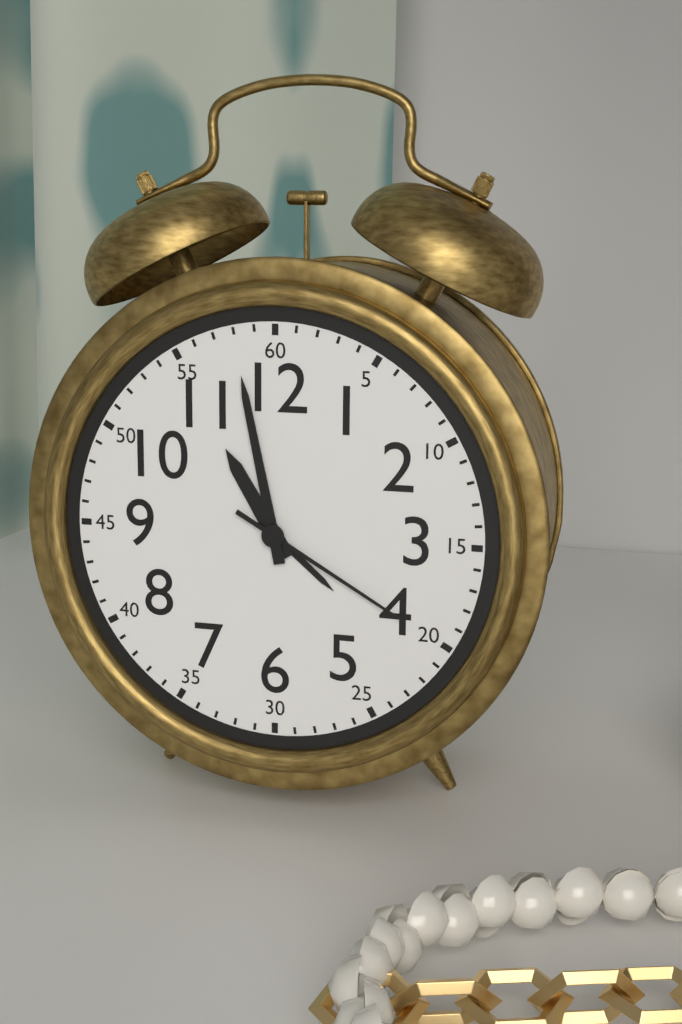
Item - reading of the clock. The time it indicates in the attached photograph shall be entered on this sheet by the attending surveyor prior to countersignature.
10:58:20
